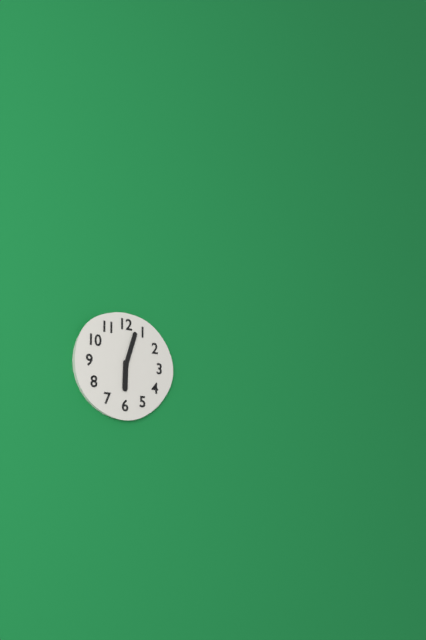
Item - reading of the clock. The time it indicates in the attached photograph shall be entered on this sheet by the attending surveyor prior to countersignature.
6:03
